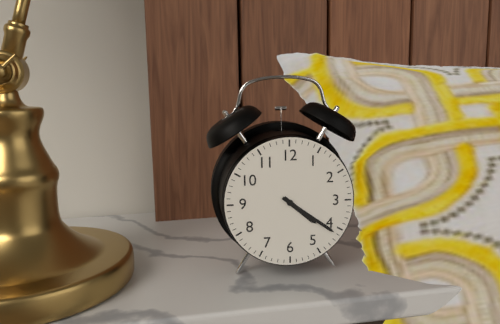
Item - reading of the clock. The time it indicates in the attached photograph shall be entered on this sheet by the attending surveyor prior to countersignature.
4:21
